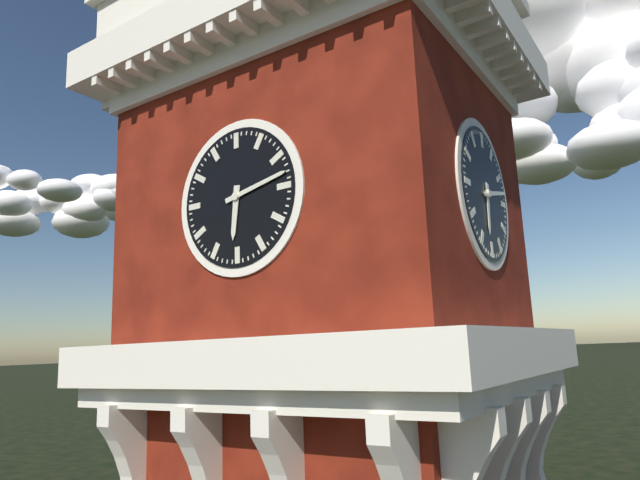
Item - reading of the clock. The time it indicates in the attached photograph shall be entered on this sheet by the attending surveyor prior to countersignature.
6:13
